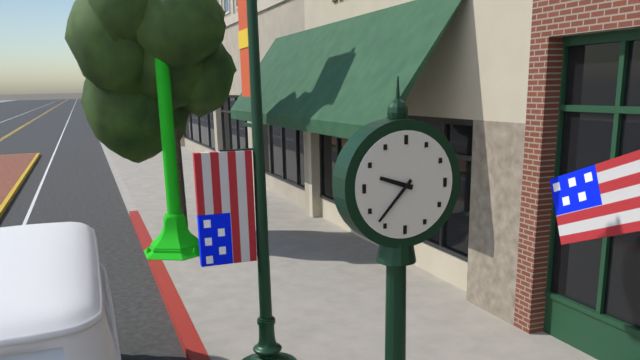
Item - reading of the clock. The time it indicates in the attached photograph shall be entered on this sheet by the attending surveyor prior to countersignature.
9:37
